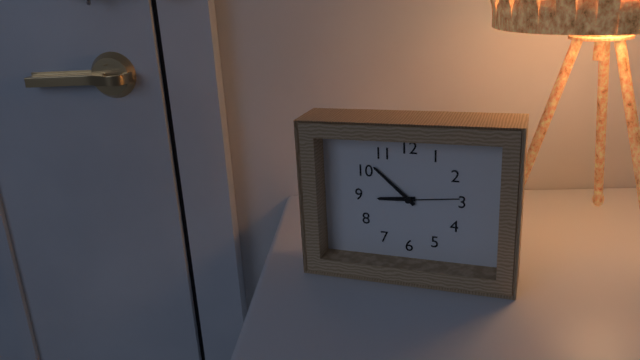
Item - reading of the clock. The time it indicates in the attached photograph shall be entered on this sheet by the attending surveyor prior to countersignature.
8:52:14
